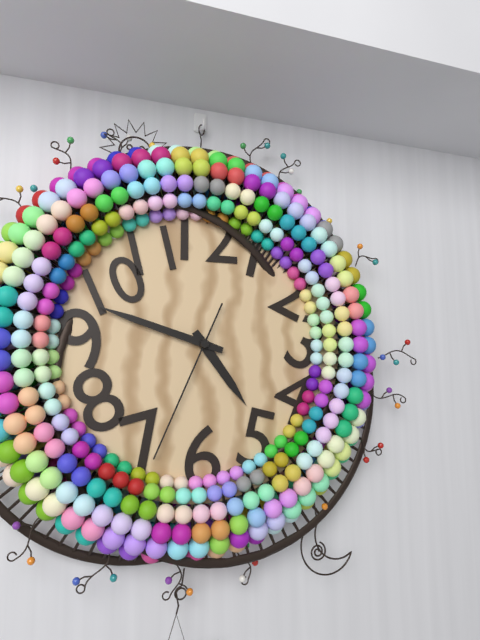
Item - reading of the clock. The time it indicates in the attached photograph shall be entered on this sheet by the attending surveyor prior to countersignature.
4:48:34
